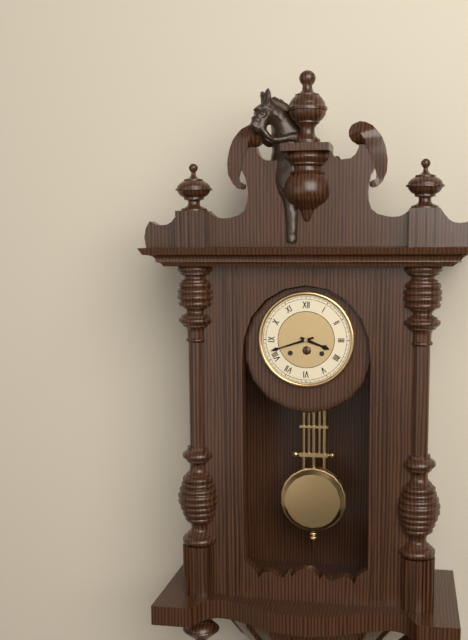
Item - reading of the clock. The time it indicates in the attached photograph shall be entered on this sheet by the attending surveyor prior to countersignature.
3:42
